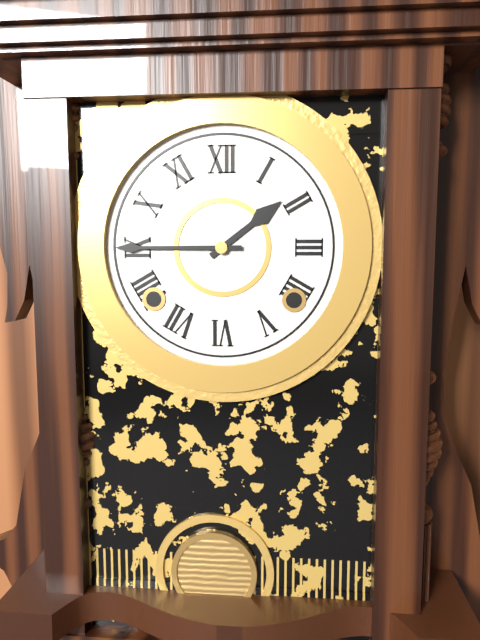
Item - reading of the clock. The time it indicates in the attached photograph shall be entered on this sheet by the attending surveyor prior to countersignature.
1:45
